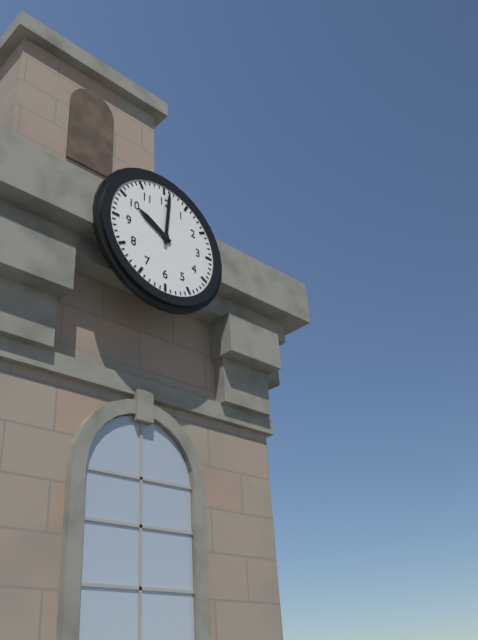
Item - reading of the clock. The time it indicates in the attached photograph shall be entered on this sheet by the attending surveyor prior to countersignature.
10:01
